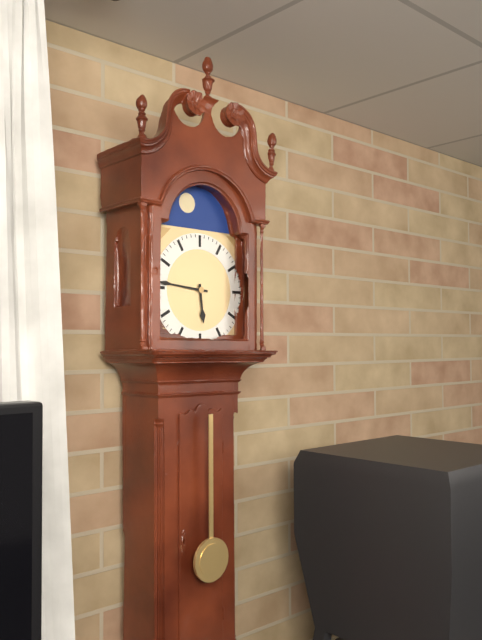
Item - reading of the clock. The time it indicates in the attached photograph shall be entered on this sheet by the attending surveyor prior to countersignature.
5:46
